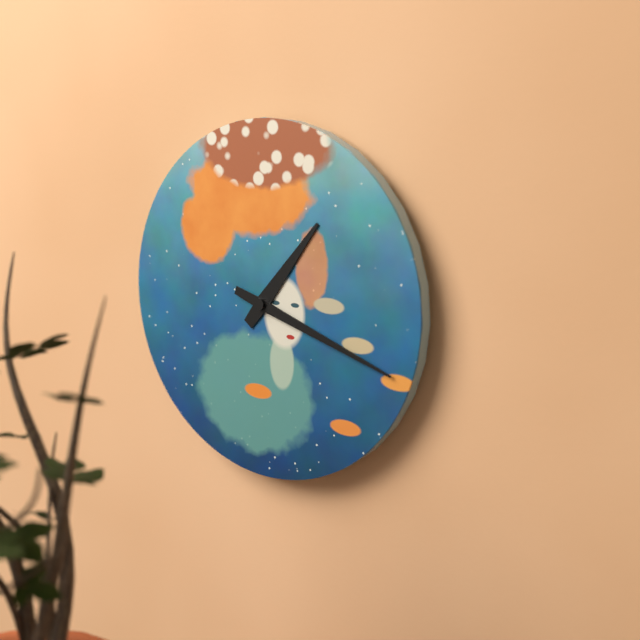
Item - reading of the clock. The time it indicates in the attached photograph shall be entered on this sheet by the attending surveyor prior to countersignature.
1:18
